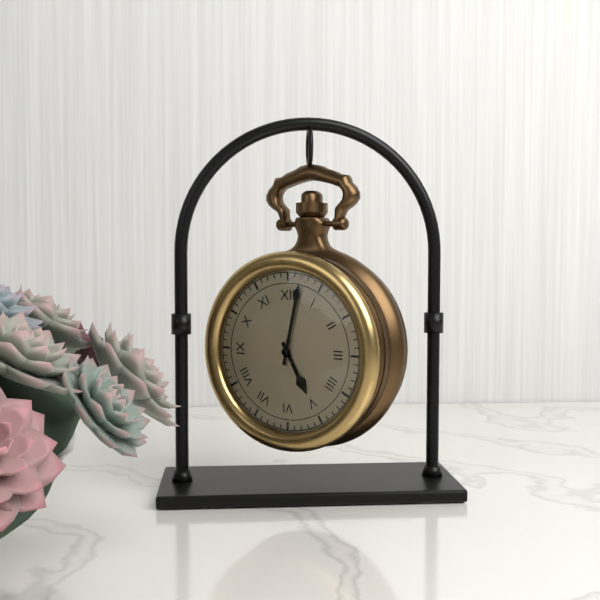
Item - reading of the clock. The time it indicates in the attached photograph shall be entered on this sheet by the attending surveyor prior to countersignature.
5:02
